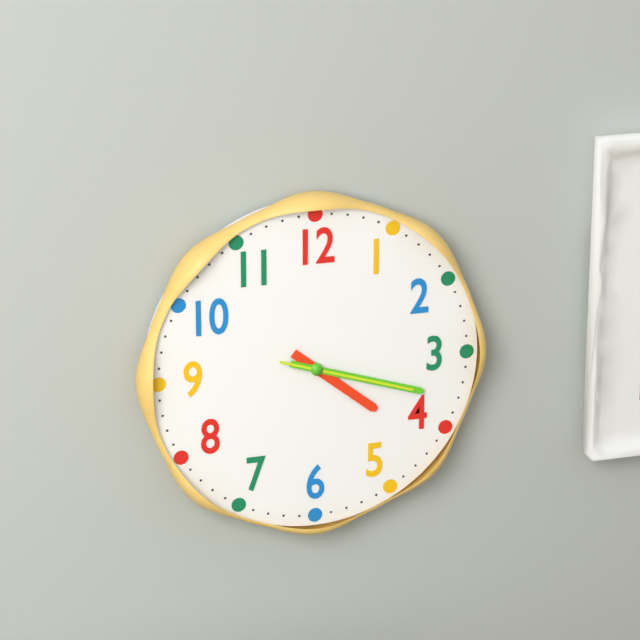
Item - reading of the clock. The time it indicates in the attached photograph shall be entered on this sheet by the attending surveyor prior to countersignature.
4:18:18
